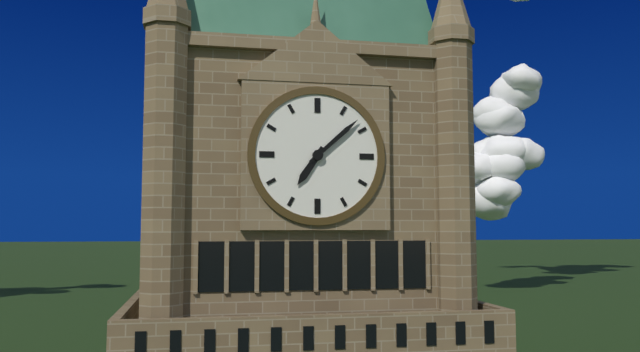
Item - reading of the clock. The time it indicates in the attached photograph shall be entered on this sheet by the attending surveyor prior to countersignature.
7:08
